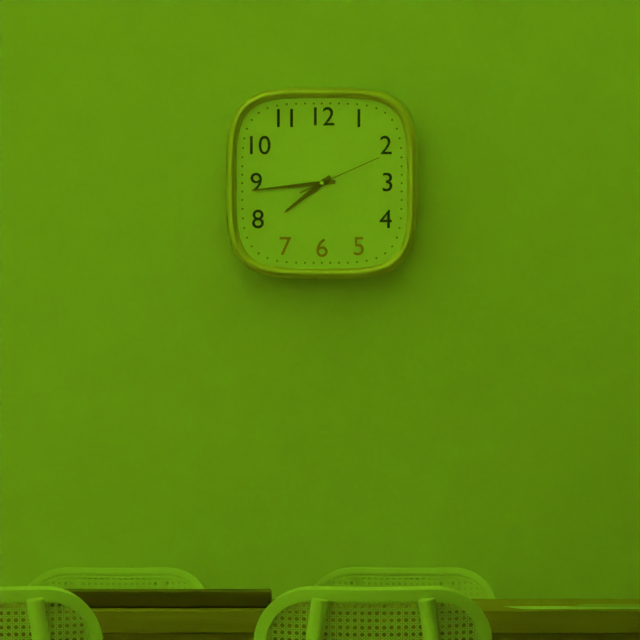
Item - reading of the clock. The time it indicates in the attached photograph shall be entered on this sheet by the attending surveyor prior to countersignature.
7:44:11
